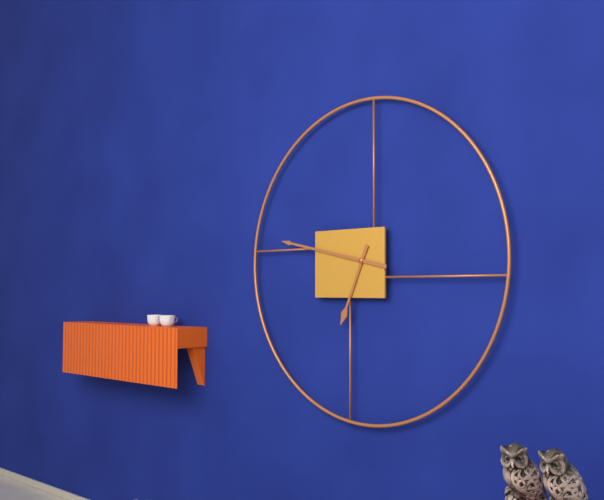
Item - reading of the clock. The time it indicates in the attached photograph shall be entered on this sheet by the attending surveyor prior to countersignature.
6:47
